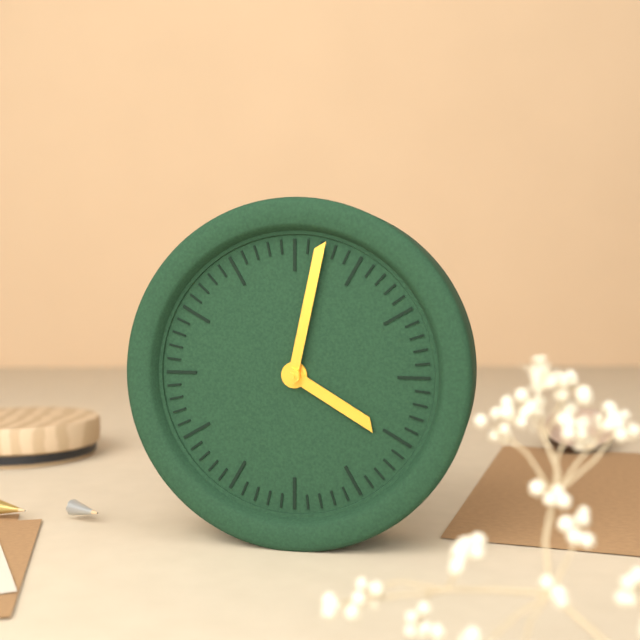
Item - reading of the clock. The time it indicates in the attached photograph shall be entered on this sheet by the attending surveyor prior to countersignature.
4:02
